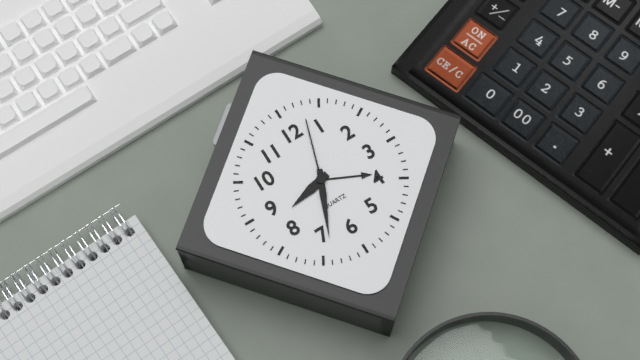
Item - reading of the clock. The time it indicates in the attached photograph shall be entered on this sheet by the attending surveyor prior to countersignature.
8:34:03
